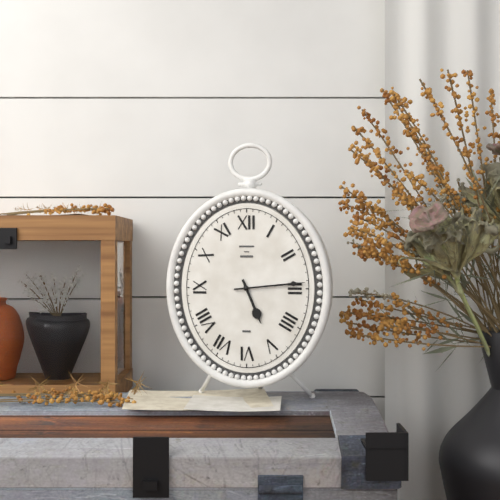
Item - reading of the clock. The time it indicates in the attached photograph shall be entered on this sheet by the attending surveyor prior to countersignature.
5:14
